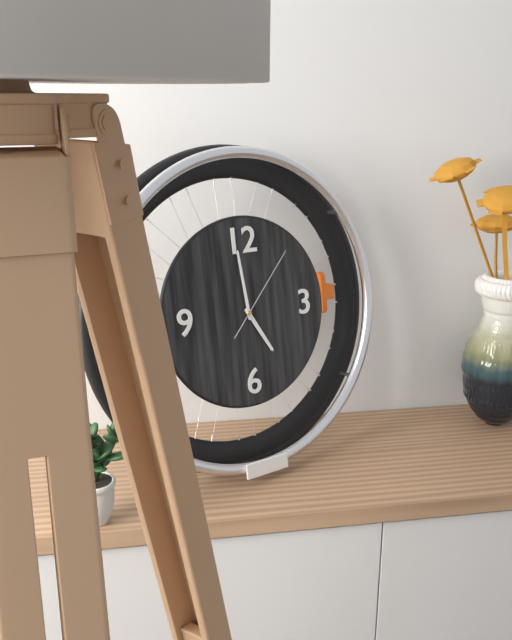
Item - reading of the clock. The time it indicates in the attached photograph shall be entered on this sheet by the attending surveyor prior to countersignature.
4:59:07
